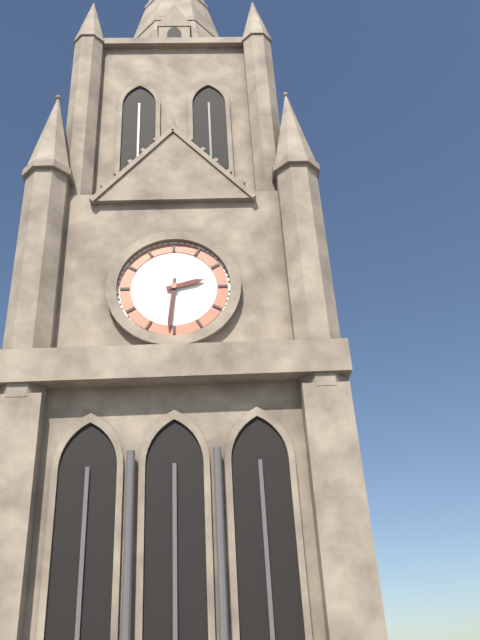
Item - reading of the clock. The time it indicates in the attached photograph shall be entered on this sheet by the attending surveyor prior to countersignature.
2:31
